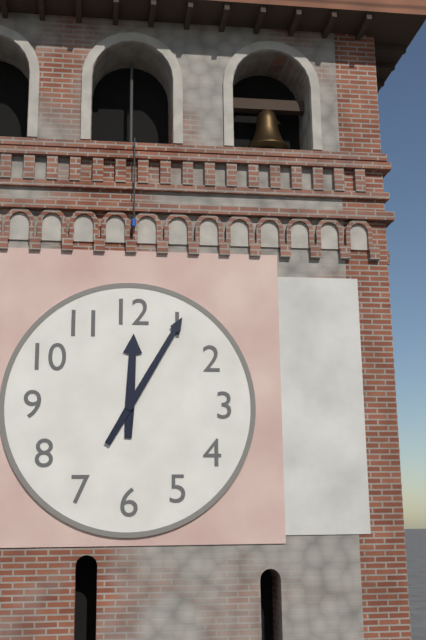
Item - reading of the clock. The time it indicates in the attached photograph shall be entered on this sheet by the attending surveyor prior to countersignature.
12:05
